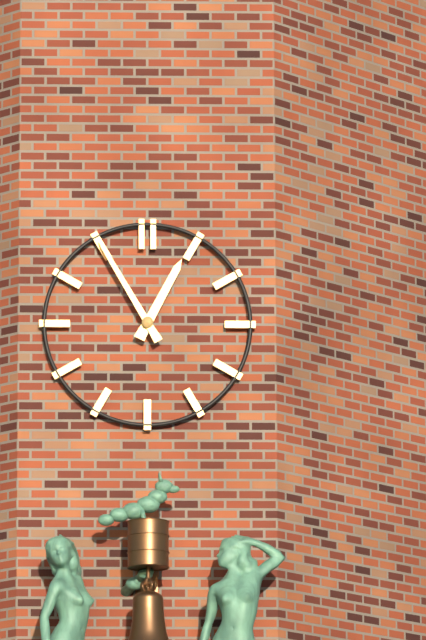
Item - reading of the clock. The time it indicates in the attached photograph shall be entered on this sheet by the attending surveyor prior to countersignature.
12:55
